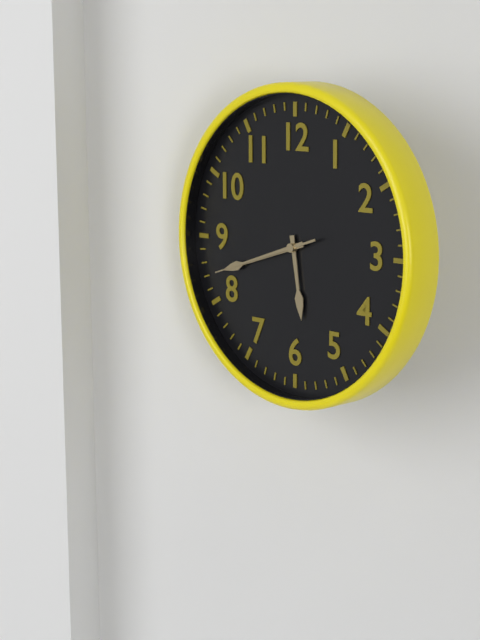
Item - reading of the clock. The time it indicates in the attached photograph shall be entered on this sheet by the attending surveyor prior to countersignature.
5:42:42
